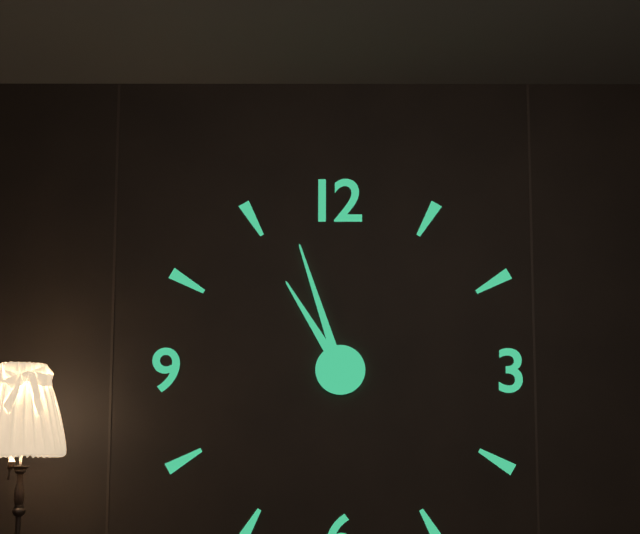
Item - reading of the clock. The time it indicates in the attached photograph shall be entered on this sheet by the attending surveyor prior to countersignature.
10:57
